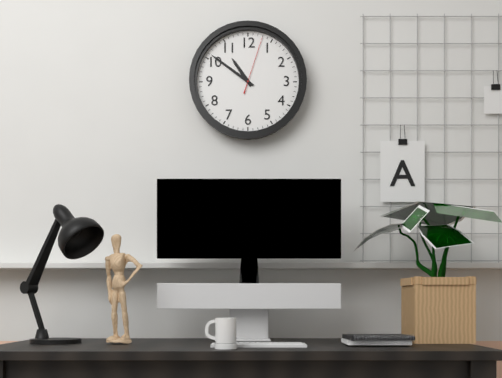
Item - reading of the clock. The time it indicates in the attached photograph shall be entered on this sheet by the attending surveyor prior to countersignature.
10:51:03
